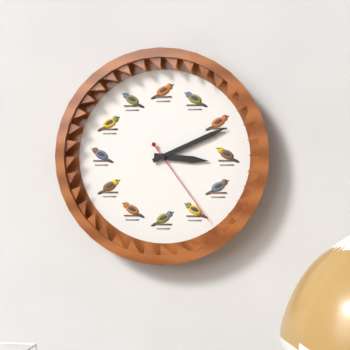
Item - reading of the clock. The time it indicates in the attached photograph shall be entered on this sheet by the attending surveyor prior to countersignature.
3:11:24
